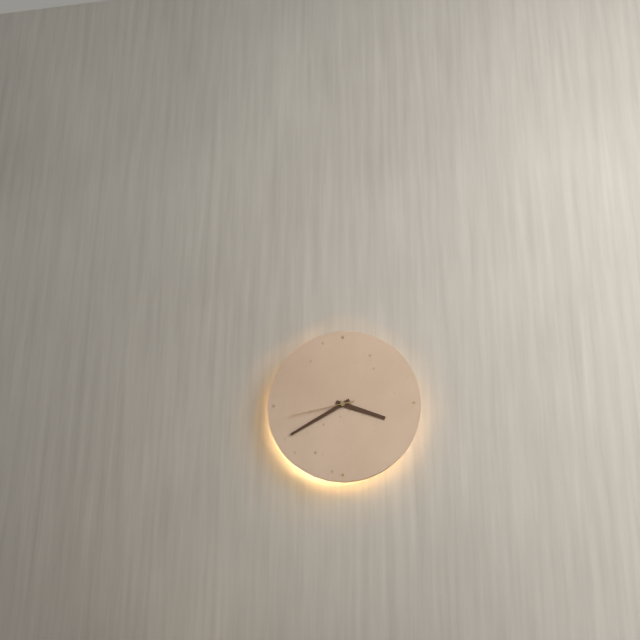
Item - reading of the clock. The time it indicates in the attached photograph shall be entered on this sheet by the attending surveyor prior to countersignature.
3:40:43
